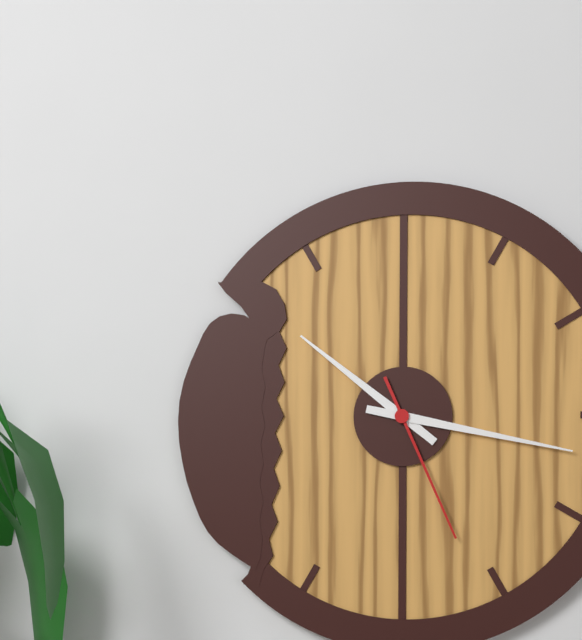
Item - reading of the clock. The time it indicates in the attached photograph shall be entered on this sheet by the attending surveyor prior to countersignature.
10:17:26
